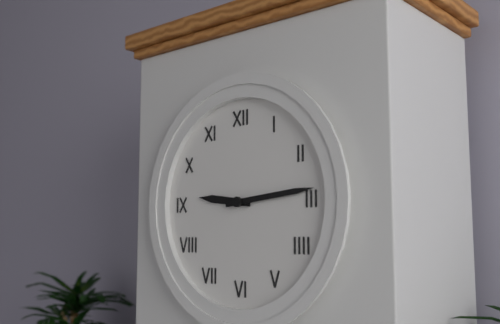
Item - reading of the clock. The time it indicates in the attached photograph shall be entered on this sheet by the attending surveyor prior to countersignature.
9:14
